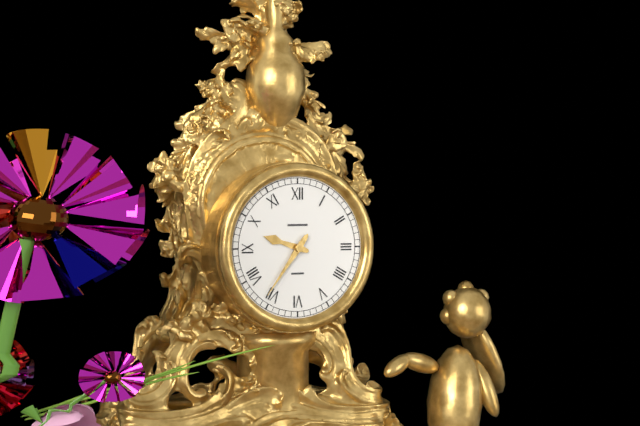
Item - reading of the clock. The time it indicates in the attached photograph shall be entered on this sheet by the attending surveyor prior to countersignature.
9:36
